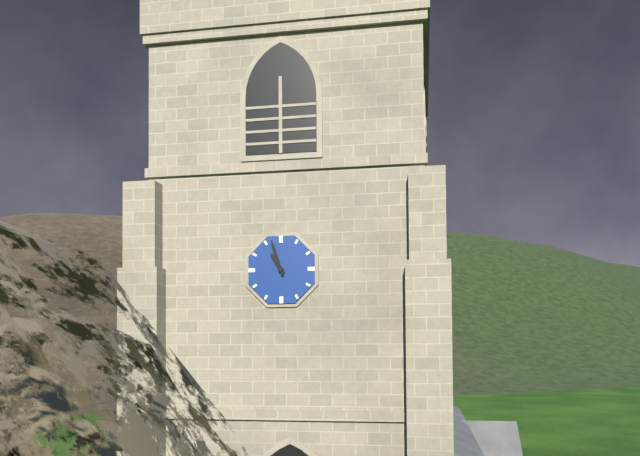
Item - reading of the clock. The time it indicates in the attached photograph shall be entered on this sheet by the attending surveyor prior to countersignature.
10:57
